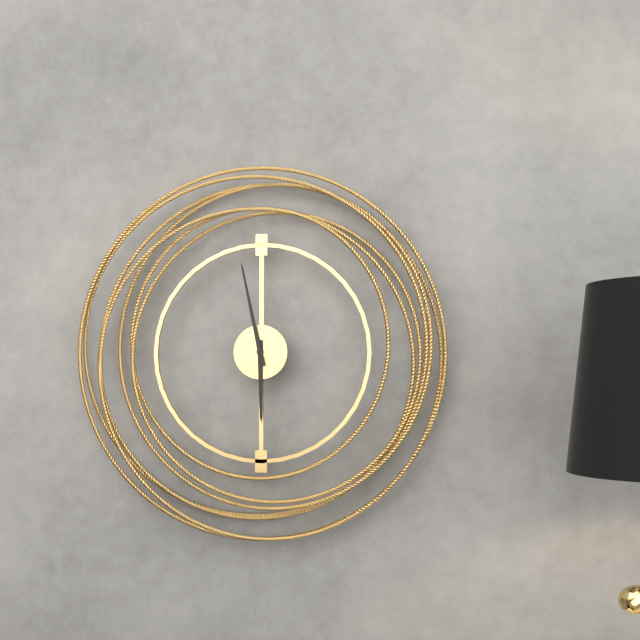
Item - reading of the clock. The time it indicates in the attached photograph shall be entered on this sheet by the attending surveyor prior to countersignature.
5:58
